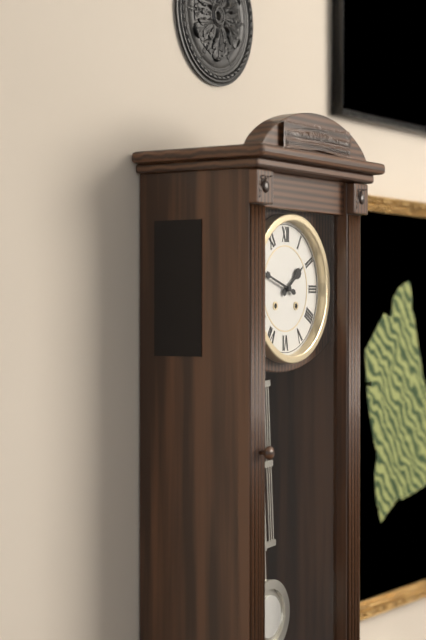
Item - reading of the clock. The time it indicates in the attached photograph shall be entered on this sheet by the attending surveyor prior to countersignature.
1:48
